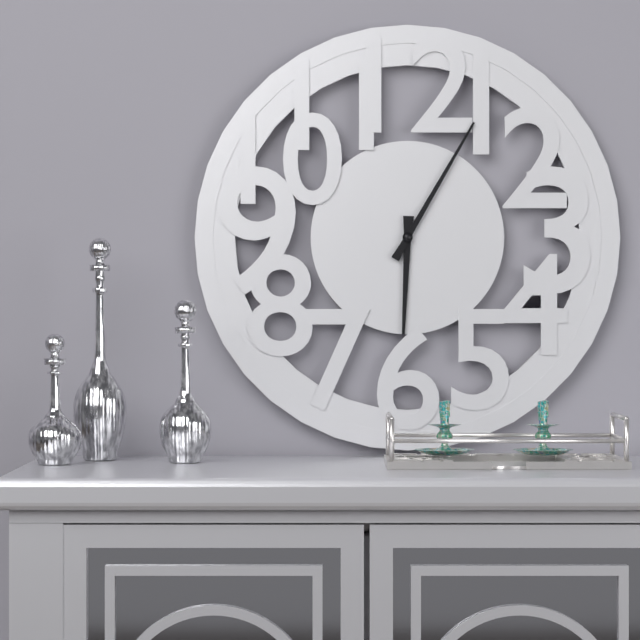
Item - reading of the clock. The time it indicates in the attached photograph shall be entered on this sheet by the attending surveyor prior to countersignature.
6:05
